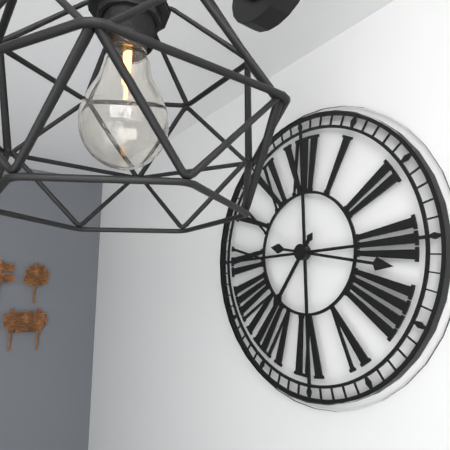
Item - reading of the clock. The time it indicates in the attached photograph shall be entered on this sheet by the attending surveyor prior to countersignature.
7:17
